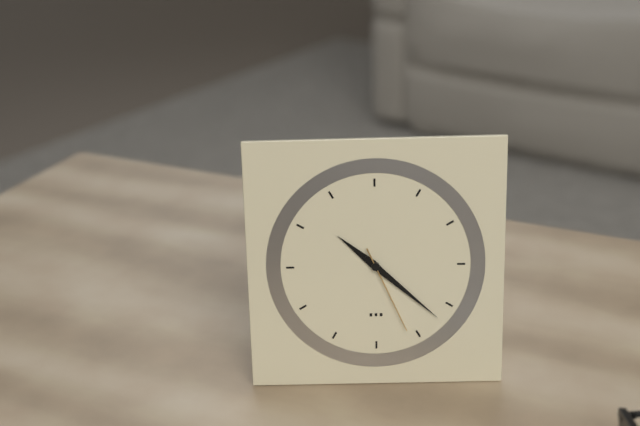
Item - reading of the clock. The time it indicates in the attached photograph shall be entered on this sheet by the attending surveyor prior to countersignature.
10:22:26
